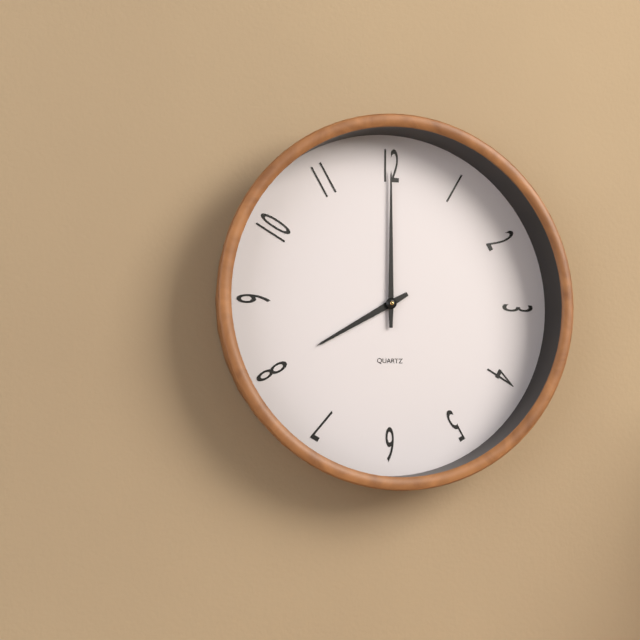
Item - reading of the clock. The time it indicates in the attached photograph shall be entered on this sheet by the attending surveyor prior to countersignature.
8:00
